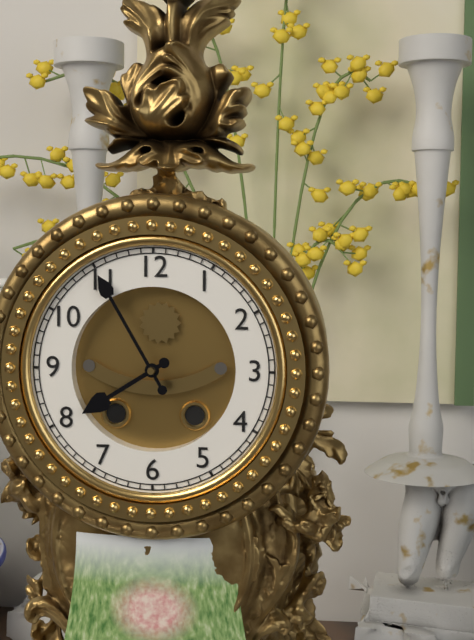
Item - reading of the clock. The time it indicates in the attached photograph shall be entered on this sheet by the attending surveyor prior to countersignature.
7:55
